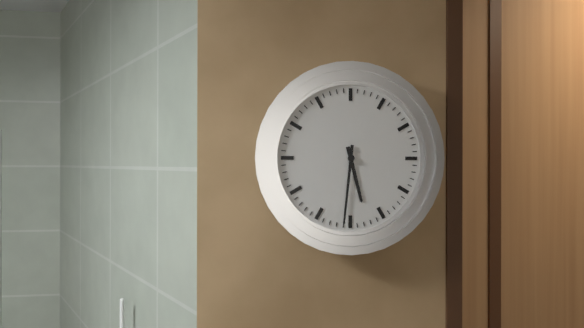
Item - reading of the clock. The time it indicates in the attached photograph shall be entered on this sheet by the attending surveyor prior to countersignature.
5:31
